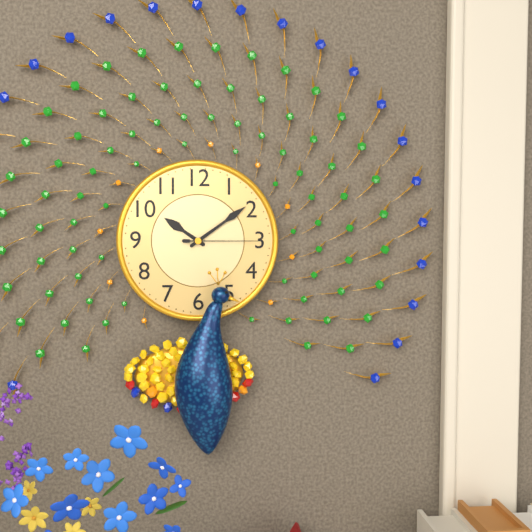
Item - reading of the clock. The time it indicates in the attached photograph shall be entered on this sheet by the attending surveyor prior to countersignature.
10:09:15
